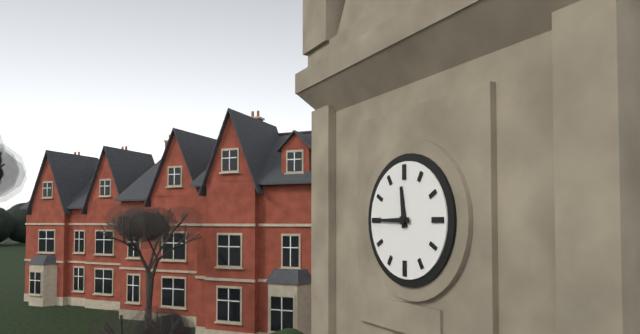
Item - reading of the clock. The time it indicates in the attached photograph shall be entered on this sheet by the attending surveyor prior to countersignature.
11:45
